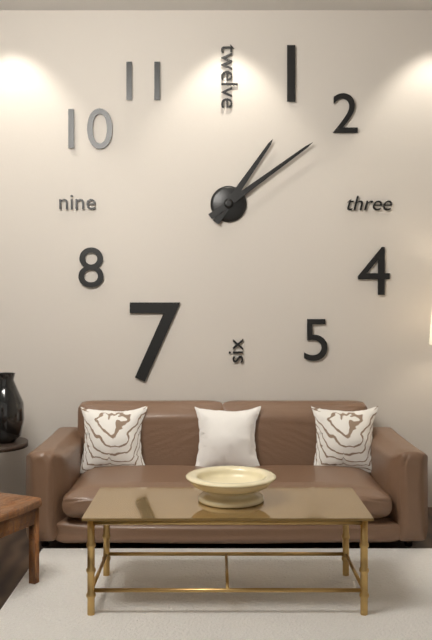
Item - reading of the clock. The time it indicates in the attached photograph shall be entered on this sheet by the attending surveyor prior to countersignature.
1:09
